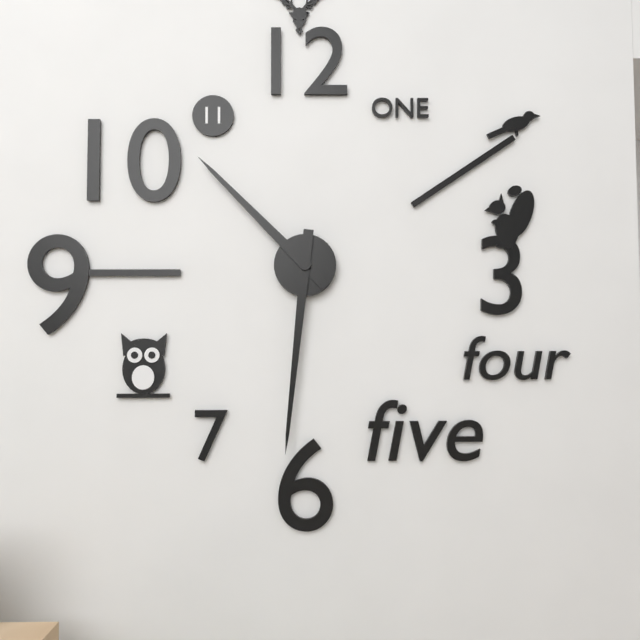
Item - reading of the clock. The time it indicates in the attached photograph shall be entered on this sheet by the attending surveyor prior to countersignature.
10:31
